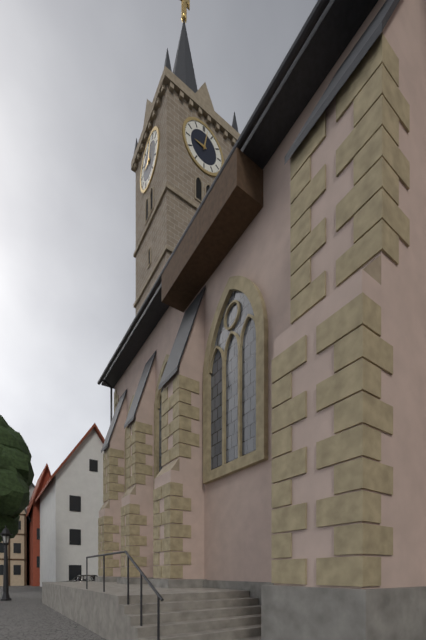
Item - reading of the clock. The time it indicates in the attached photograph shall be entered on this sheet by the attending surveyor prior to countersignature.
9:02
